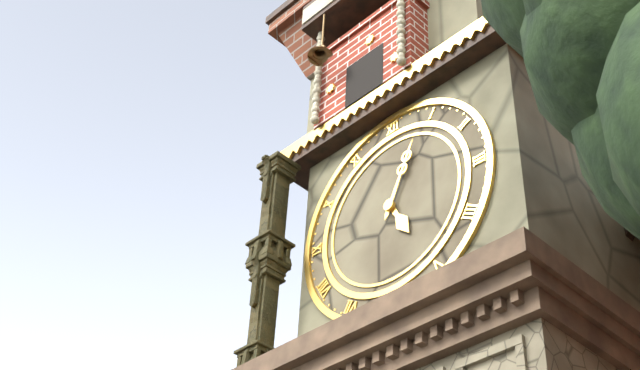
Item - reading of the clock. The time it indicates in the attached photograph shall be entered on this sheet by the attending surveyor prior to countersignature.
5:04
